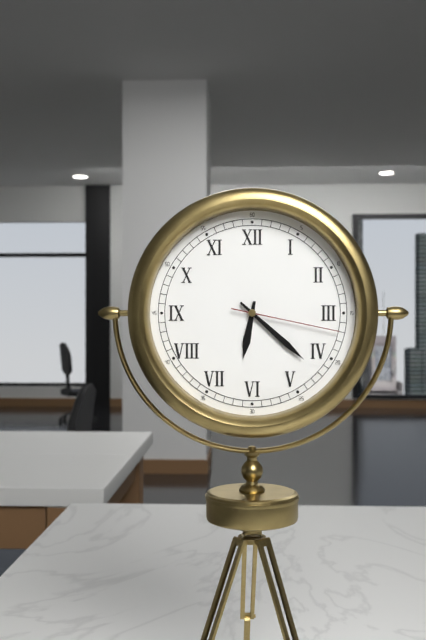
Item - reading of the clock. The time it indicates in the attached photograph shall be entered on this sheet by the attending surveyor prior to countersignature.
6:22:17
